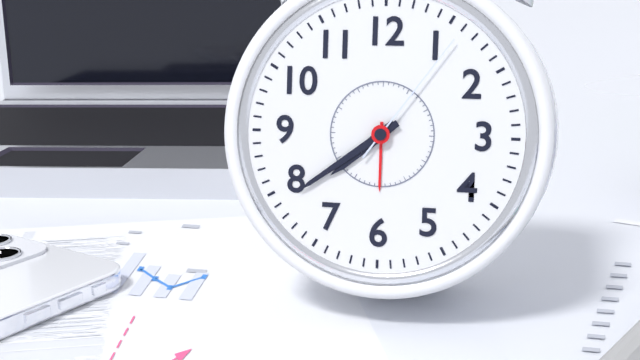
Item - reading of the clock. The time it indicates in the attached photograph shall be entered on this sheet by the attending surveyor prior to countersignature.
7:39:06
